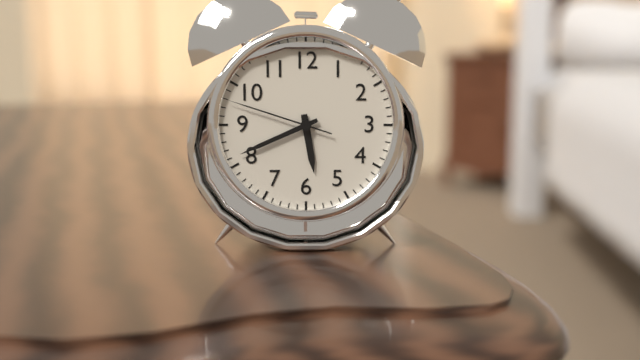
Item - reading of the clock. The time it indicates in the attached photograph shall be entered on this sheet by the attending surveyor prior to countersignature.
5:41:48
